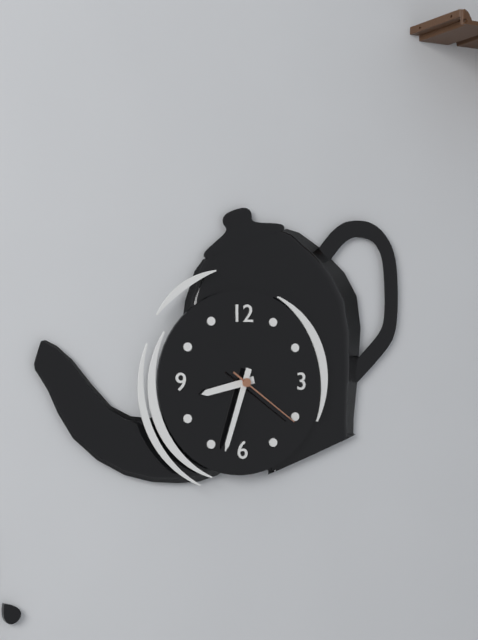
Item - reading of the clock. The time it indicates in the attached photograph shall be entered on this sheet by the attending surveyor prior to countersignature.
8:33:21
